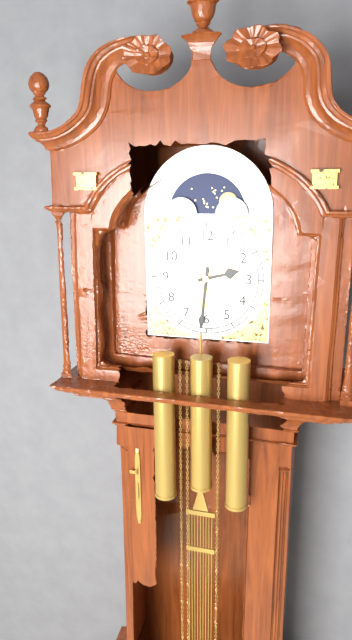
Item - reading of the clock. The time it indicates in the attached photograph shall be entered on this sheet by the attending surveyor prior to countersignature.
2:31
